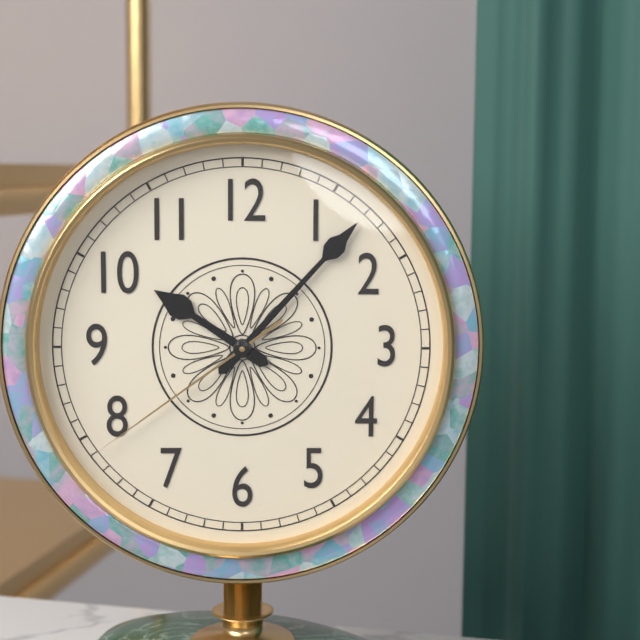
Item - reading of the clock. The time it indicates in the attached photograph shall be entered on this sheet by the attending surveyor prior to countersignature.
10:07:39
